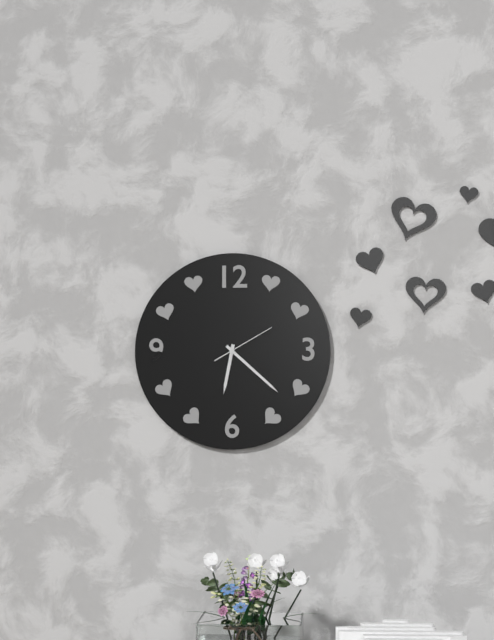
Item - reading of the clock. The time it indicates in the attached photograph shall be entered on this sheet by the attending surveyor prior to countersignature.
6:22:10
